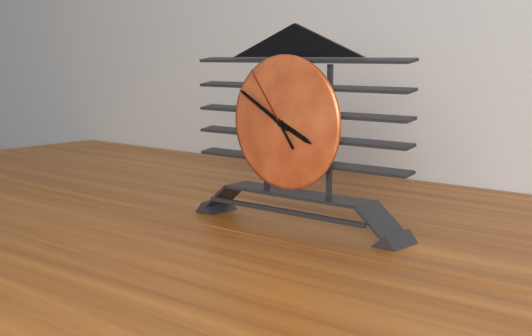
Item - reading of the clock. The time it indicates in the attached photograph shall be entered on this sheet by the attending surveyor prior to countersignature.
3:50:54
